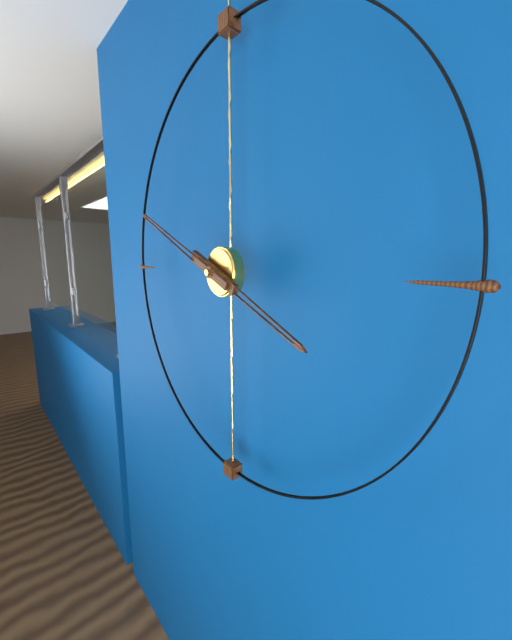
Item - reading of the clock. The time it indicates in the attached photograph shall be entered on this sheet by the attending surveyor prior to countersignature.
3:49
